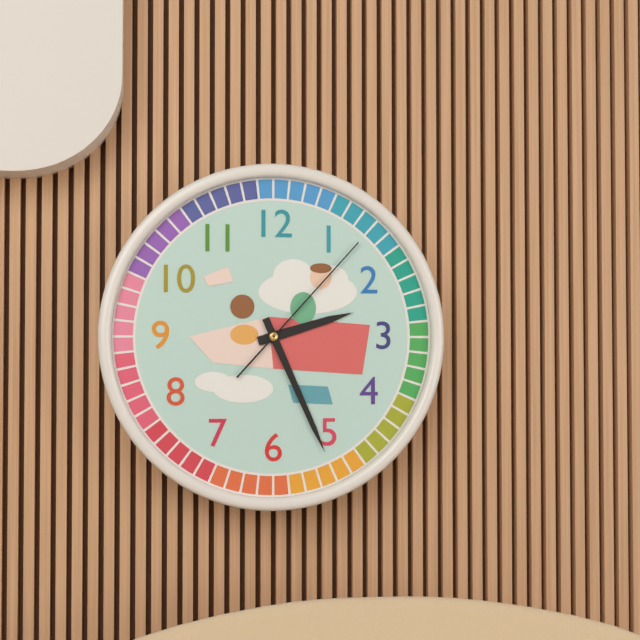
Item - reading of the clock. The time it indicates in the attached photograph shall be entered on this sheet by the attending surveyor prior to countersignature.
2:26:07
